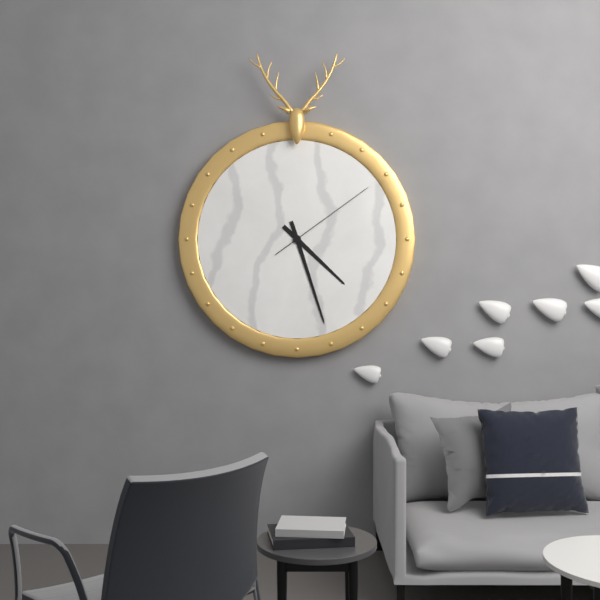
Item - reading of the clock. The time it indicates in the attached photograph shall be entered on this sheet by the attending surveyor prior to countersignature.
4:27:09
